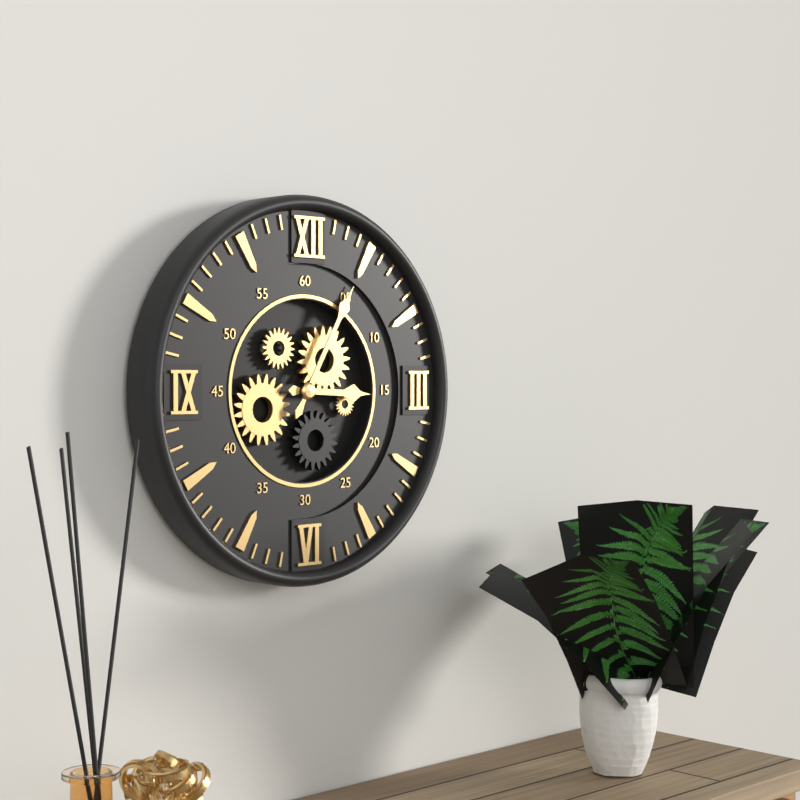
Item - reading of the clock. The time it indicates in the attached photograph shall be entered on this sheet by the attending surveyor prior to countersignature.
3:05
